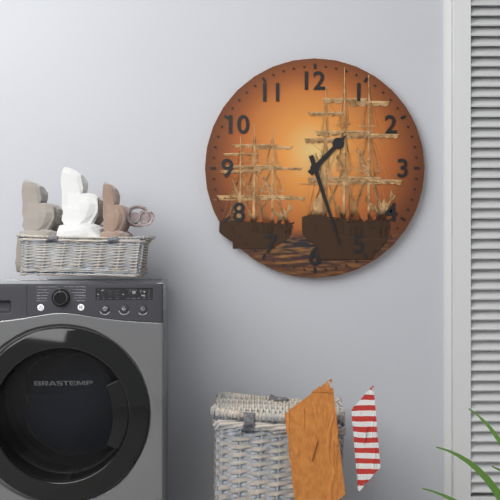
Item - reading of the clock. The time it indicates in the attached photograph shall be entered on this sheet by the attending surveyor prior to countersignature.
1:27
